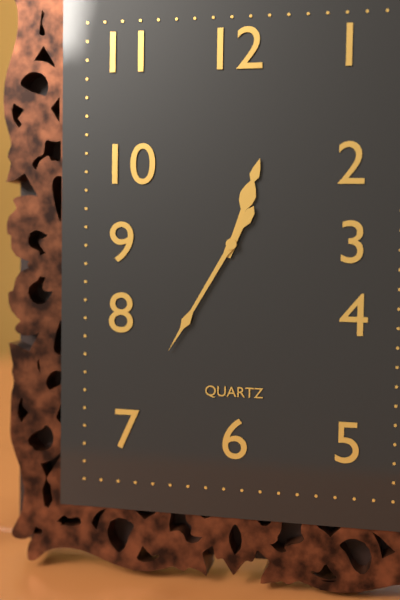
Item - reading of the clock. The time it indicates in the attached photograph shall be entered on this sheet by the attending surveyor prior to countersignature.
12:35
